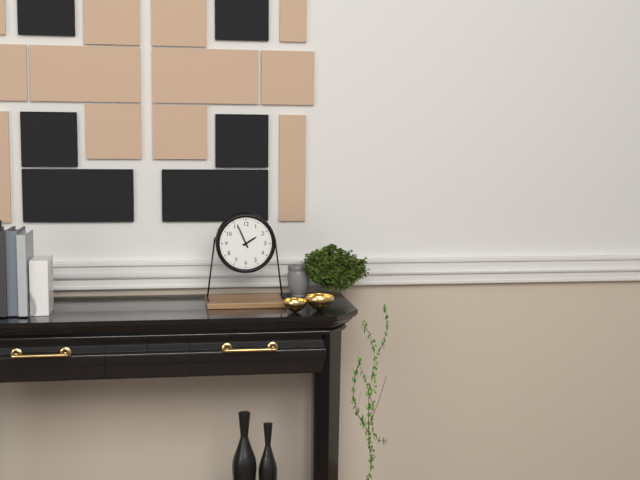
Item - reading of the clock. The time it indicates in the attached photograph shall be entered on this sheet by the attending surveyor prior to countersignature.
1:56
